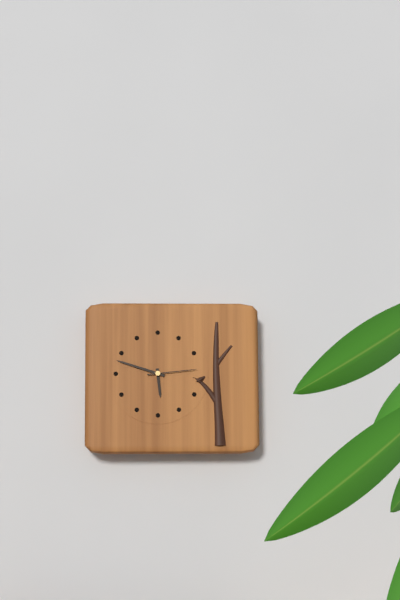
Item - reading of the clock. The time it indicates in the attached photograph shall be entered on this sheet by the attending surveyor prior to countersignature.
5:48:14
